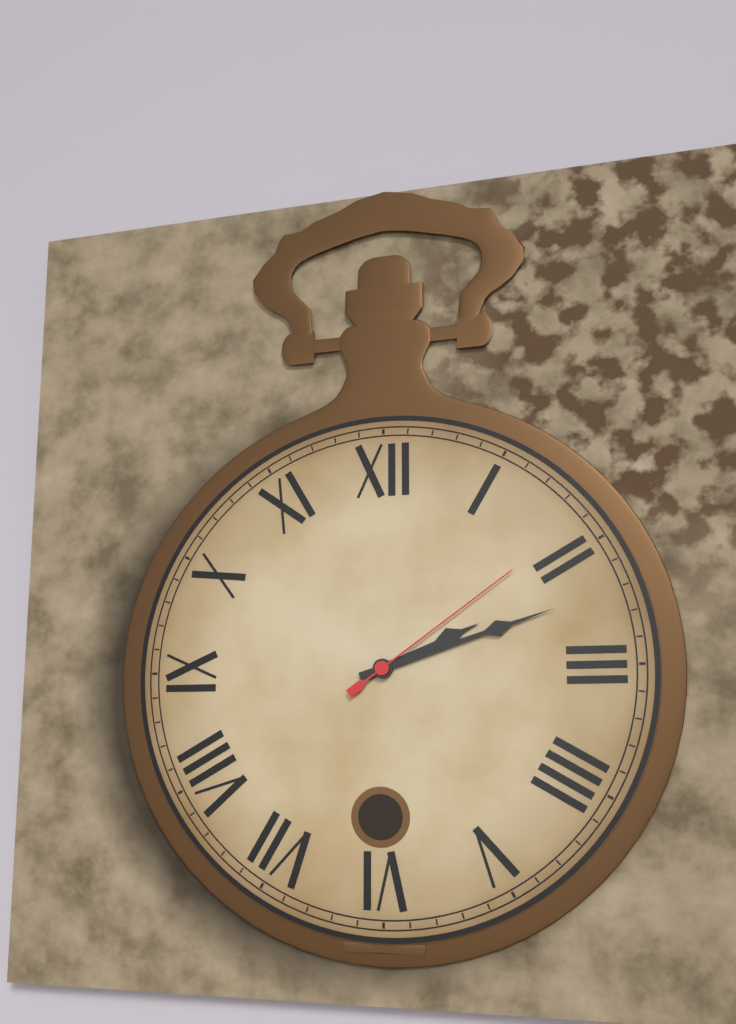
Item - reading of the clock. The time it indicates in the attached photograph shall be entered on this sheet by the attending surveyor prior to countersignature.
2:12:09
